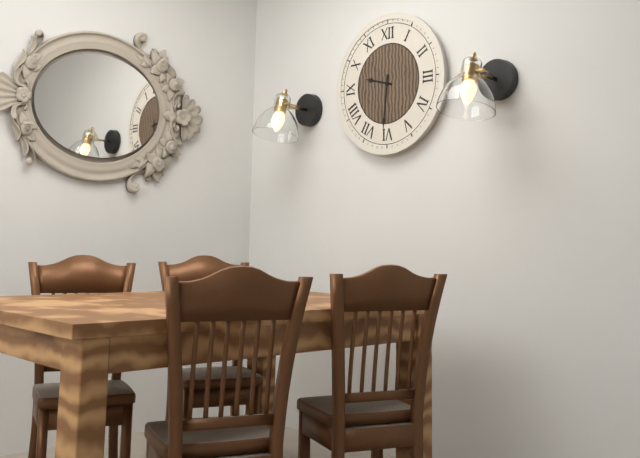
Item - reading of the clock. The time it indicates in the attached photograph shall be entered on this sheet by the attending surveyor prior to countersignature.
9:31
